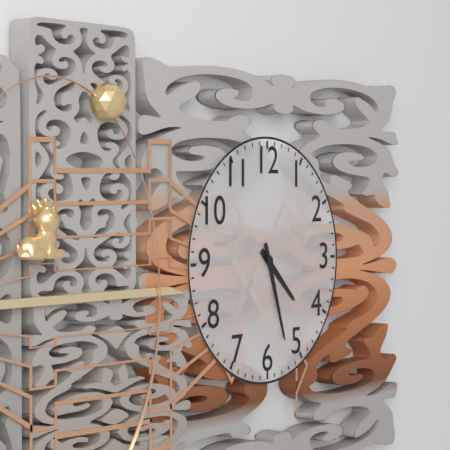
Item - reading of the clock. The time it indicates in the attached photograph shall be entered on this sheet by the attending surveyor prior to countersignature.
4:27
